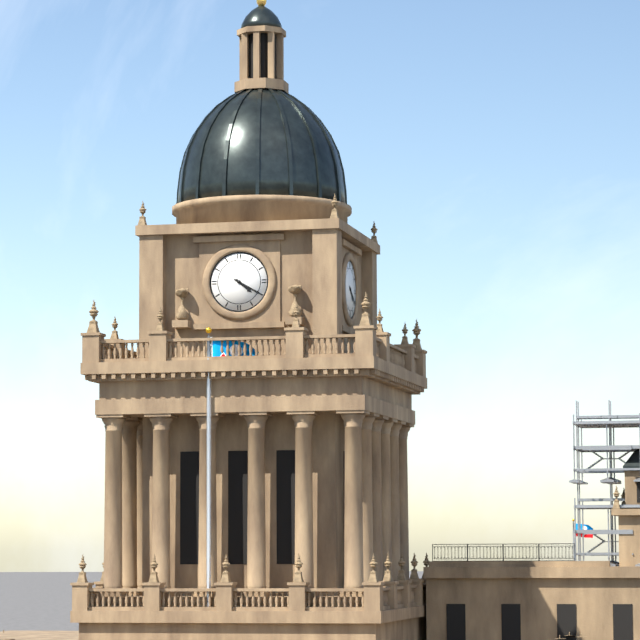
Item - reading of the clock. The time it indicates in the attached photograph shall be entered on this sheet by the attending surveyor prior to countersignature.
4:20
